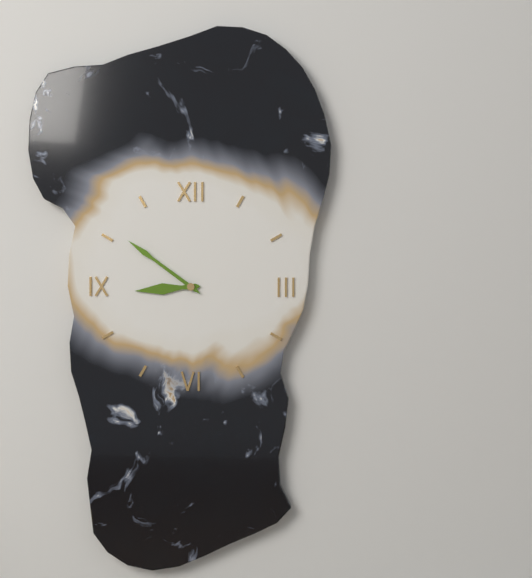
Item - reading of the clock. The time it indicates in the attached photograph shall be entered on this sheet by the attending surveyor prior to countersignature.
8:51
